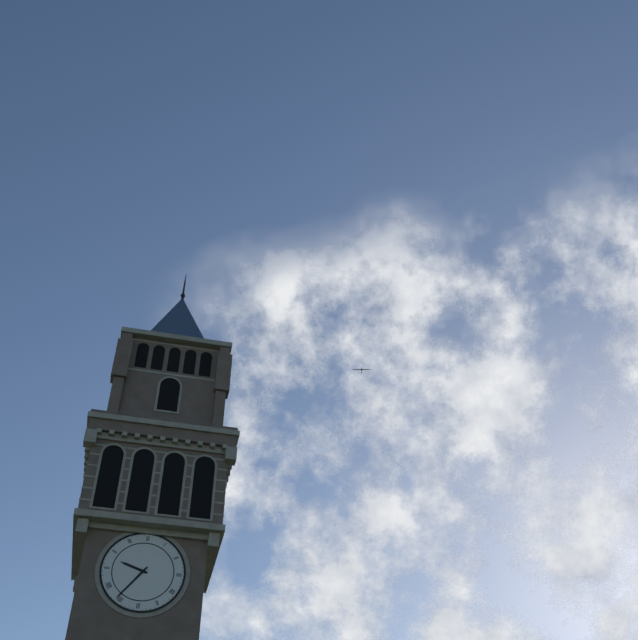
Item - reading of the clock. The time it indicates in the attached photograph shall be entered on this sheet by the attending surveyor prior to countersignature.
9:36
